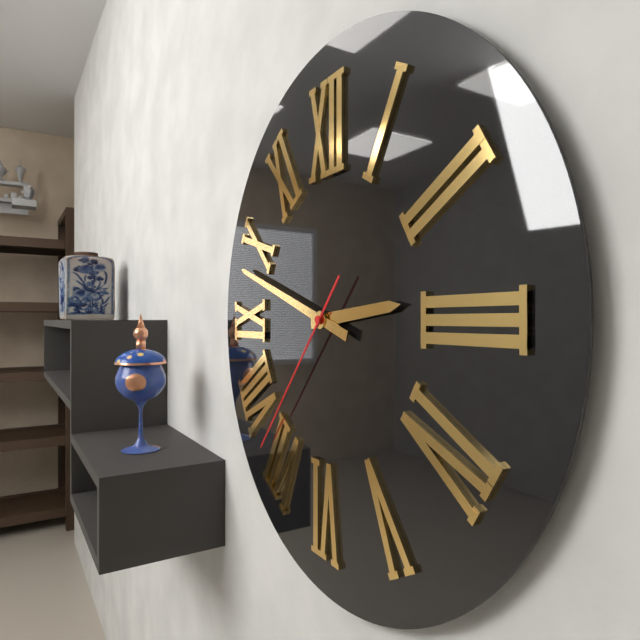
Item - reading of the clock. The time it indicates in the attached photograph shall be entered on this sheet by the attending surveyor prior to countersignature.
2:48:37
